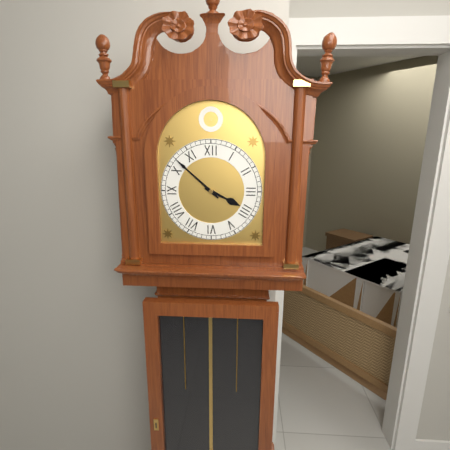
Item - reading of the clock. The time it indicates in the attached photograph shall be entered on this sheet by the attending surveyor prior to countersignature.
3:52
